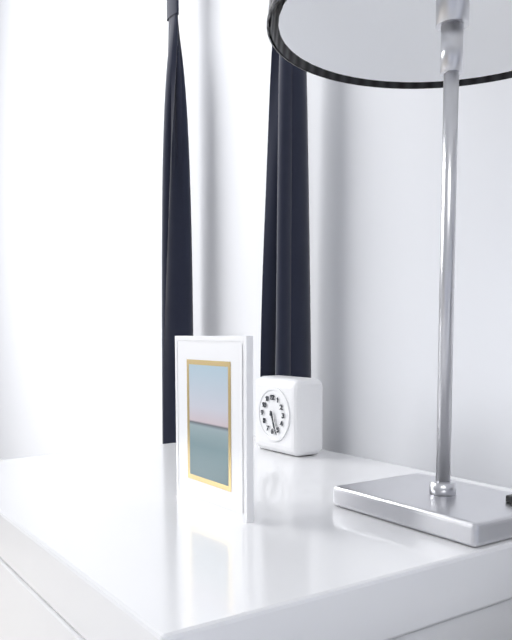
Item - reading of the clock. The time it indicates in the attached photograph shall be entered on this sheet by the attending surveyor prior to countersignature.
5:26
